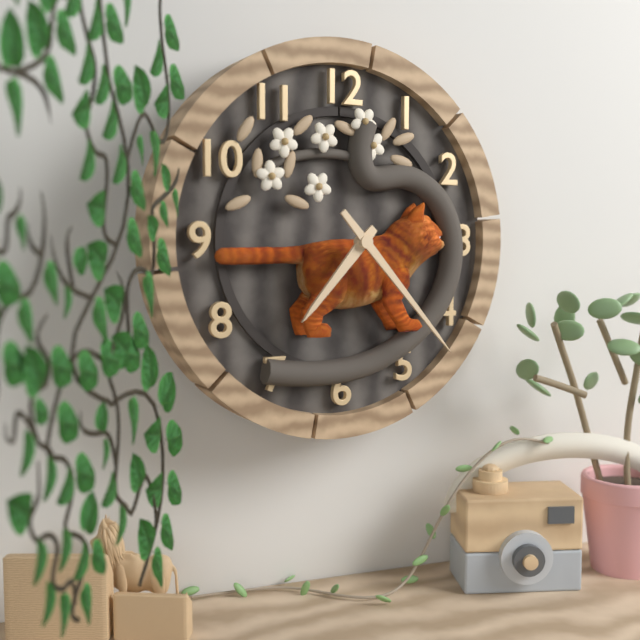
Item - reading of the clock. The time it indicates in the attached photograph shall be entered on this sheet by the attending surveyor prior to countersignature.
7:23
